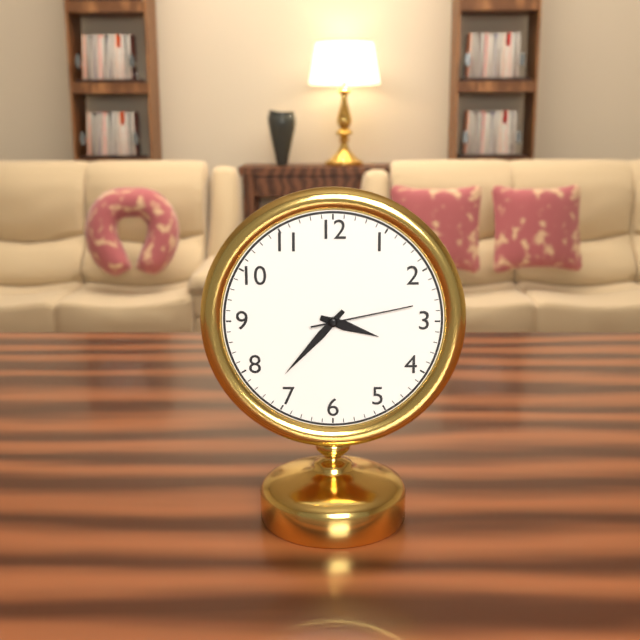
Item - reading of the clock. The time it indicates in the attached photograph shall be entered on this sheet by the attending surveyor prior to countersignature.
3:37:13
